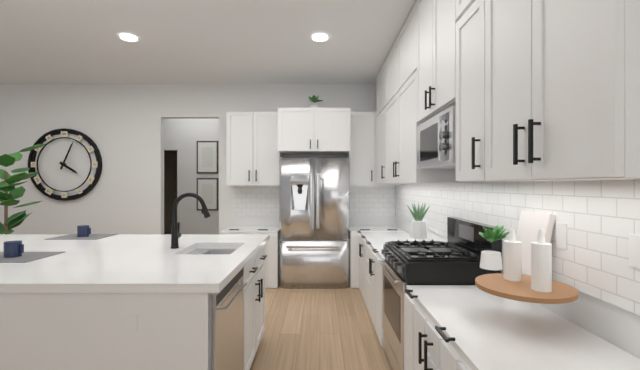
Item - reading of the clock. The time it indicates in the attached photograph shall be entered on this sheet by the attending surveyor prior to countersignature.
4:04
